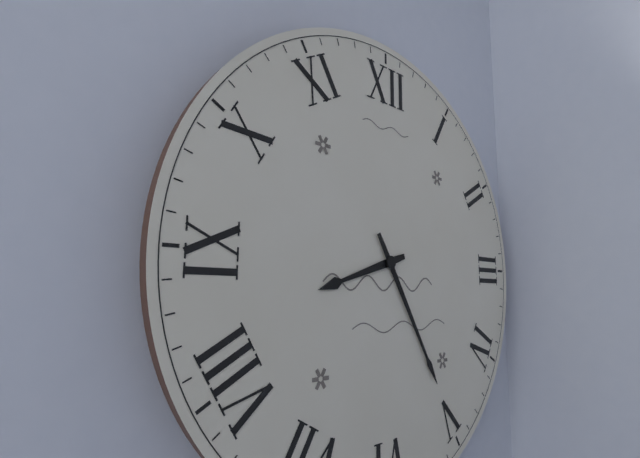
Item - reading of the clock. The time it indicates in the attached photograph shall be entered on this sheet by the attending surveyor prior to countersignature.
8:25
